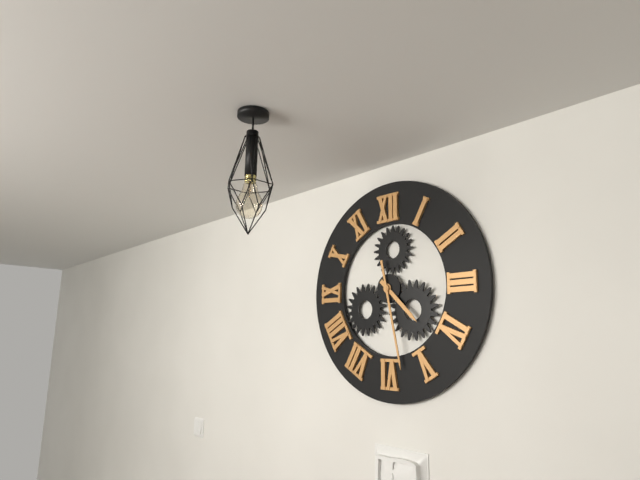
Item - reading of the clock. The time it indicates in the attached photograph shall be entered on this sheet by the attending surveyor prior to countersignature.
4:28
